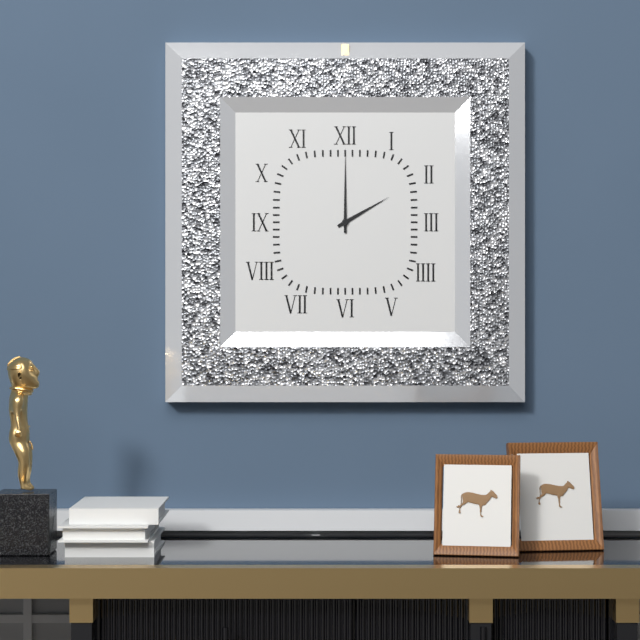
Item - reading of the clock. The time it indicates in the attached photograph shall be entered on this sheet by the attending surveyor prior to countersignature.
2:00
